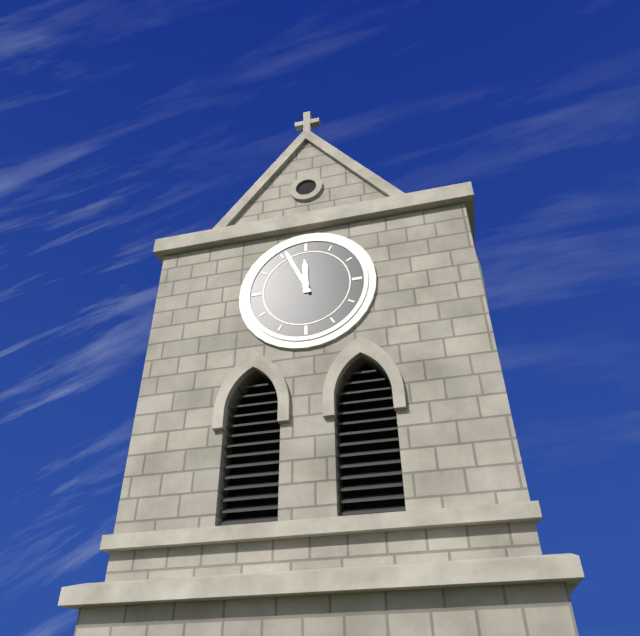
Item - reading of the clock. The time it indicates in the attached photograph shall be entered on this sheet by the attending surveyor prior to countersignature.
11:56
